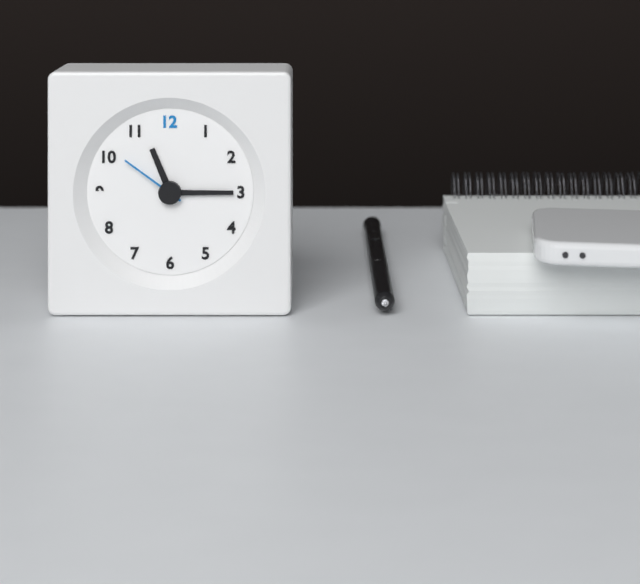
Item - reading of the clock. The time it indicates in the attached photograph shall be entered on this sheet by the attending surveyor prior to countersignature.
11:15:51
